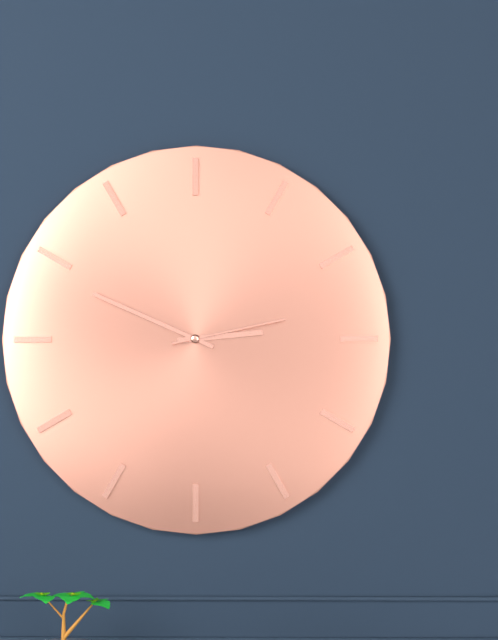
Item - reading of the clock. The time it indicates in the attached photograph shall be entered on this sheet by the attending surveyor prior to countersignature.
2:49:13
